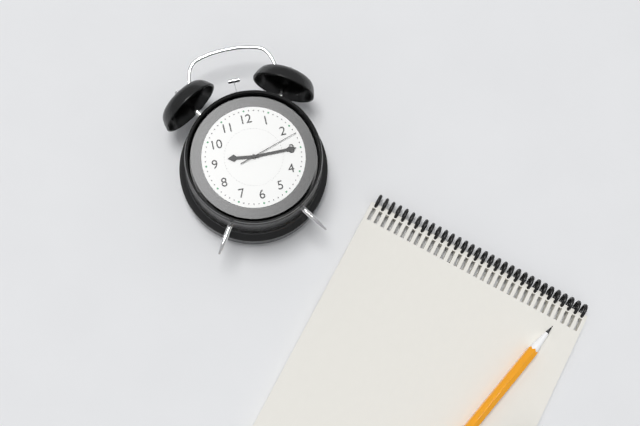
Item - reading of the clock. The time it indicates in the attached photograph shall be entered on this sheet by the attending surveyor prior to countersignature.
9:15:12
